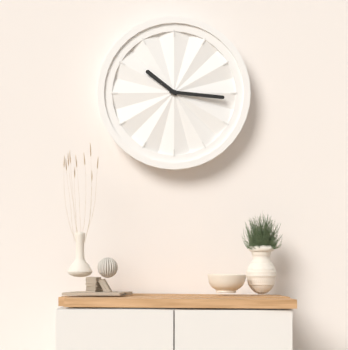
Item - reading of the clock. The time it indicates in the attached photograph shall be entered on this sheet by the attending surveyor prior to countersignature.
10:16
